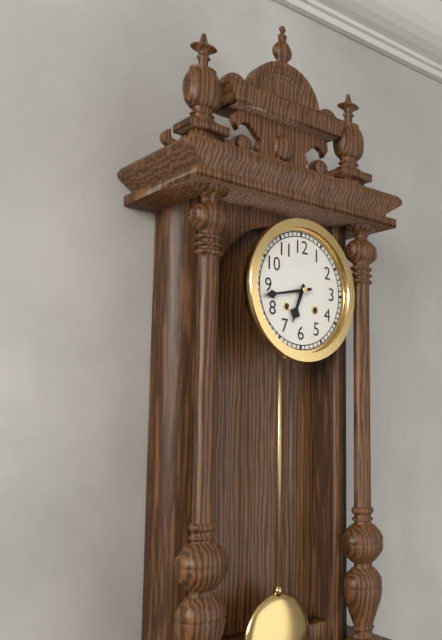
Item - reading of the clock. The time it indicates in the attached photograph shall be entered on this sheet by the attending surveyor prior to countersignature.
6:43
